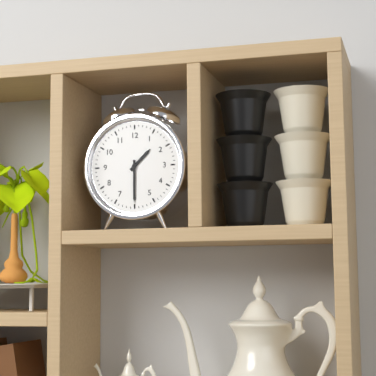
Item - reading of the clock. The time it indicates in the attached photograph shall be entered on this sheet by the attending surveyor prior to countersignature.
1:30
